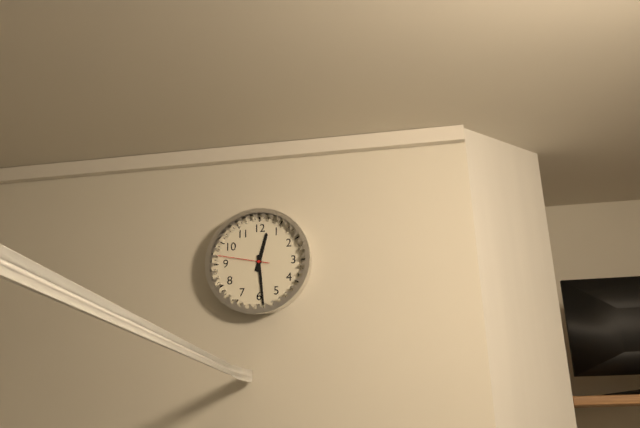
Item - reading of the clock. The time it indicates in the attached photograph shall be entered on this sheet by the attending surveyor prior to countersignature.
12:29:47
